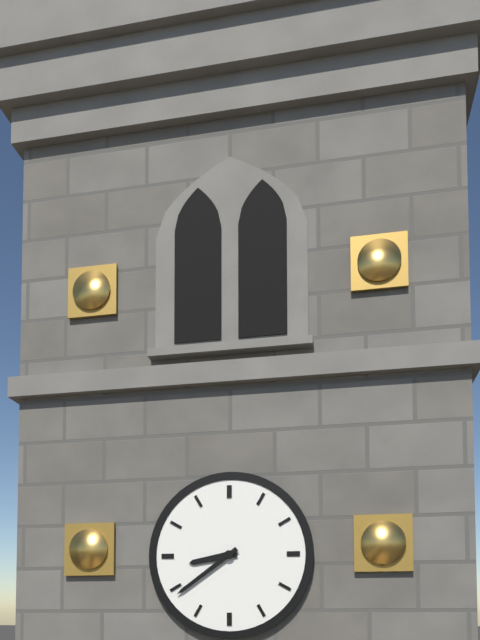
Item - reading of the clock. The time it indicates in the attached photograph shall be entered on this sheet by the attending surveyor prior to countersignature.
8:39
